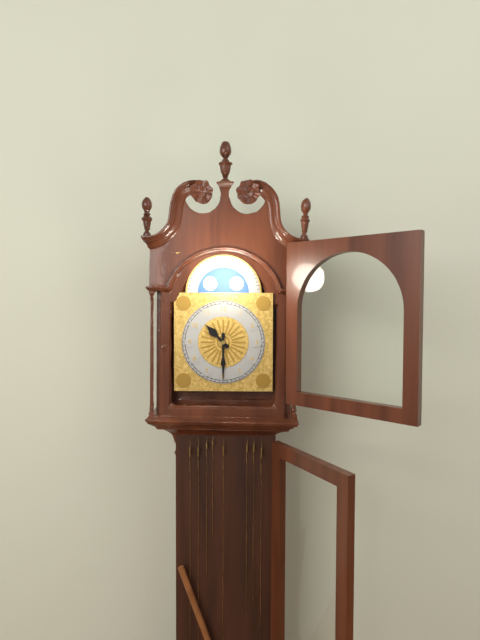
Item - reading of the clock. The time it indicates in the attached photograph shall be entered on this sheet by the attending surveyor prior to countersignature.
10:30
